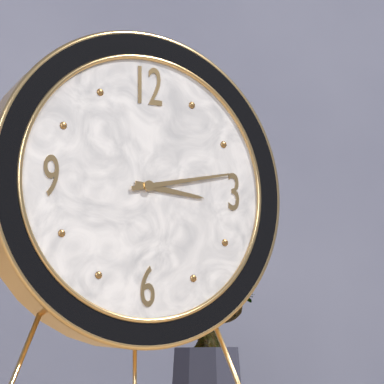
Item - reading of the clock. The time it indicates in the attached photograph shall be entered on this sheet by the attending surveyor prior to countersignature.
3:13
